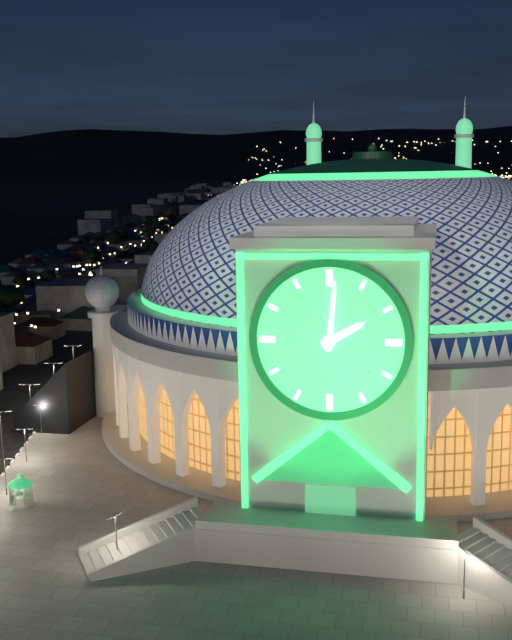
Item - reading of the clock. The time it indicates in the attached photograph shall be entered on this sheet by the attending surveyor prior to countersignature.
2:01
